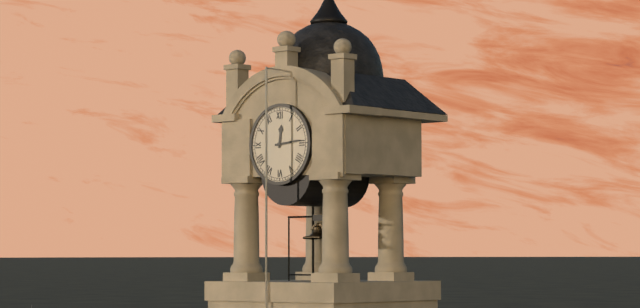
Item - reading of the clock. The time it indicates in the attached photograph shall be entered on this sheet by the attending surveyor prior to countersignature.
12:14
